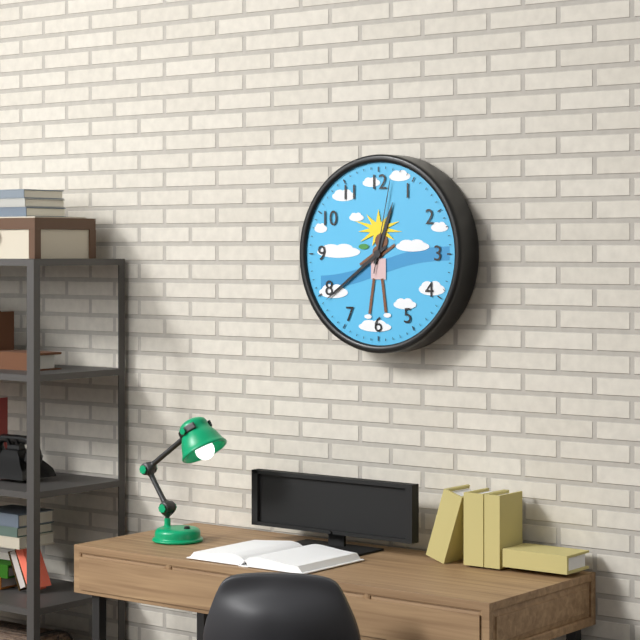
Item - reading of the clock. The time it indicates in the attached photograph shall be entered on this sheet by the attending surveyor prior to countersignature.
12:39:02
